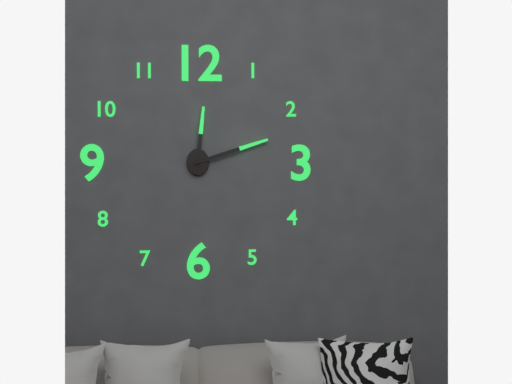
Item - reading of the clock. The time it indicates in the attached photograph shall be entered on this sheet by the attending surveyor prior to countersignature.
12:12
